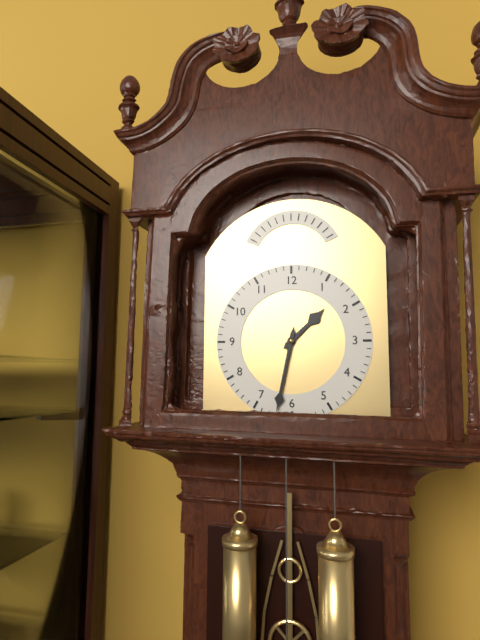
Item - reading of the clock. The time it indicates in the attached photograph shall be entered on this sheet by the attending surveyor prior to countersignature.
1:32
